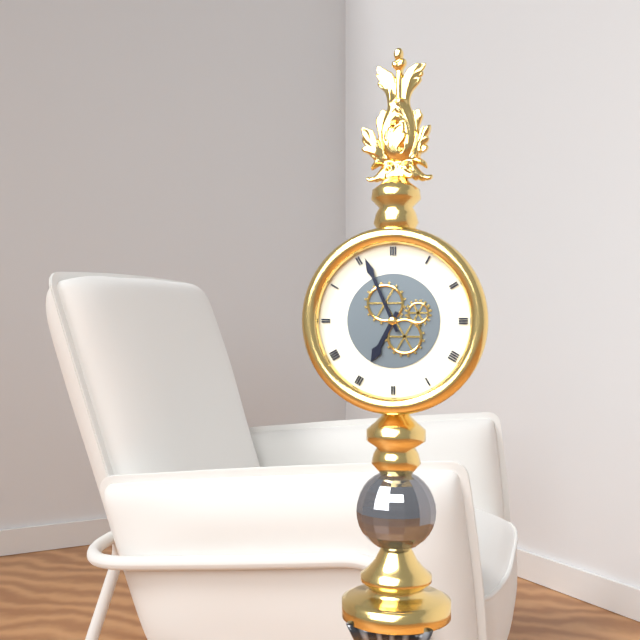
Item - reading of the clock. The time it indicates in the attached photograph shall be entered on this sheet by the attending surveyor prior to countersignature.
6:56
